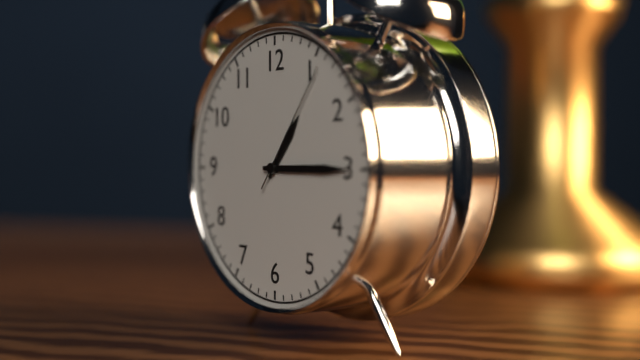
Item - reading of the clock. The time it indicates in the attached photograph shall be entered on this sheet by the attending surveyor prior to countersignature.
1:15:06
